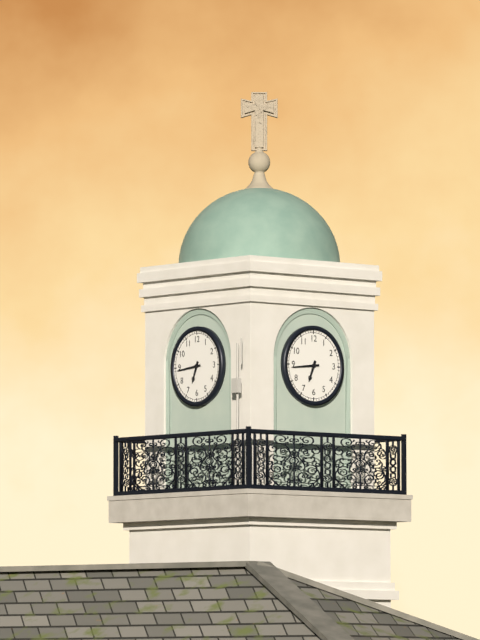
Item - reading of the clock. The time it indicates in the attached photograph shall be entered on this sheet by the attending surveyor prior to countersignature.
6:44
